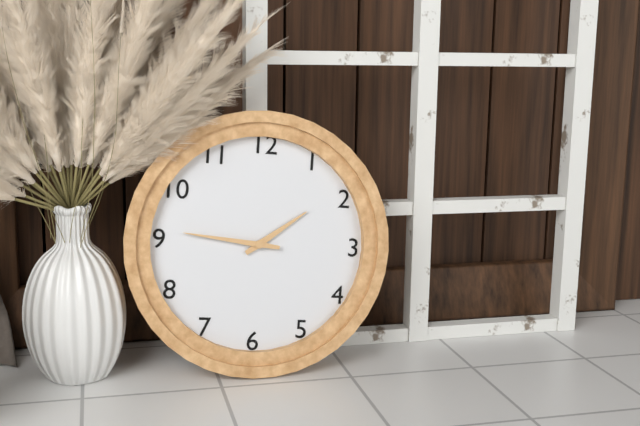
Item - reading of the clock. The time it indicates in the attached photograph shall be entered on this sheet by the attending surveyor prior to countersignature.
1:46
